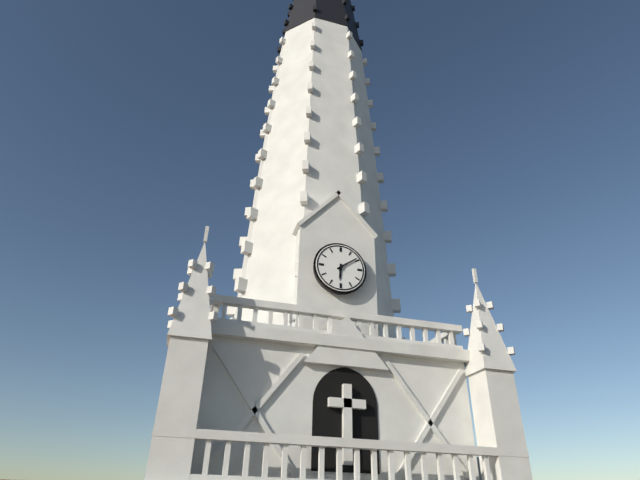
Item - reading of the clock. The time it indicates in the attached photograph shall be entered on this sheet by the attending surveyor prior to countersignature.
6:09
